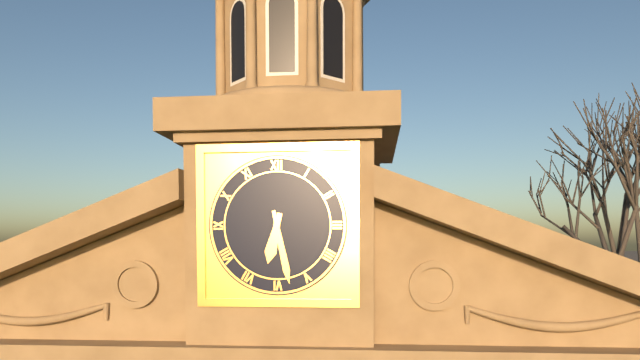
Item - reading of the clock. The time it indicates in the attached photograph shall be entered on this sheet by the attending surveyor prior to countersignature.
6:28
